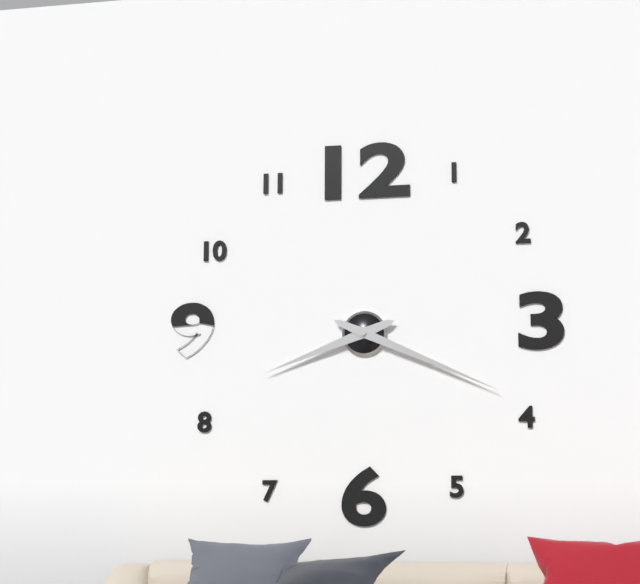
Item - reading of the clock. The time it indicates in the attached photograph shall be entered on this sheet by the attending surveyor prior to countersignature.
8:19
